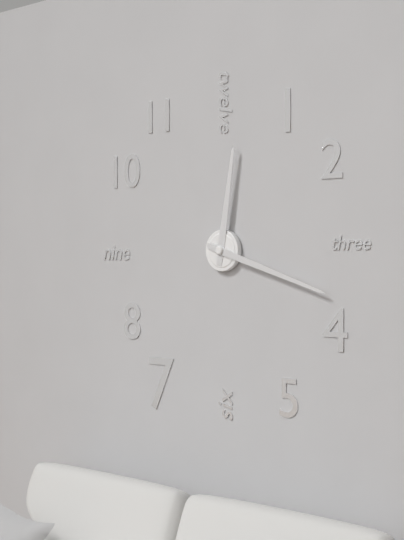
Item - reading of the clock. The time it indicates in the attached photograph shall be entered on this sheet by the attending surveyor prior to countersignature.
12:18
